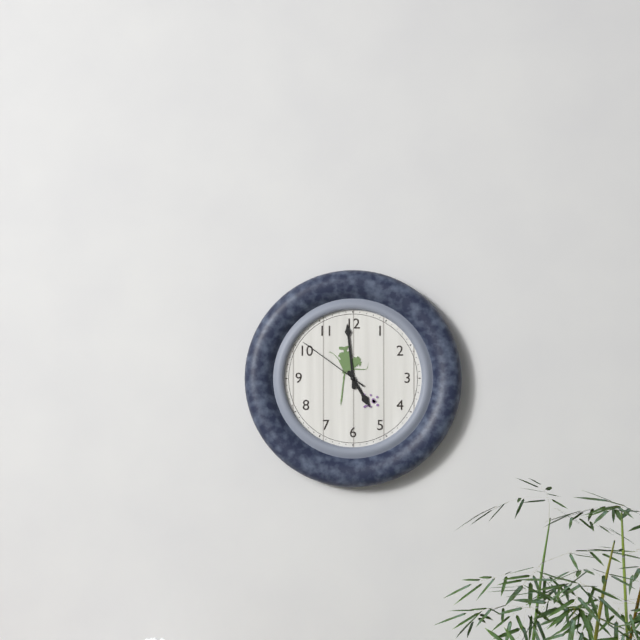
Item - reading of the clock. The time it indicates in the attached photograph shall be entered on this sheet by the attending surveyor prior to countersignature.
4:59:51
